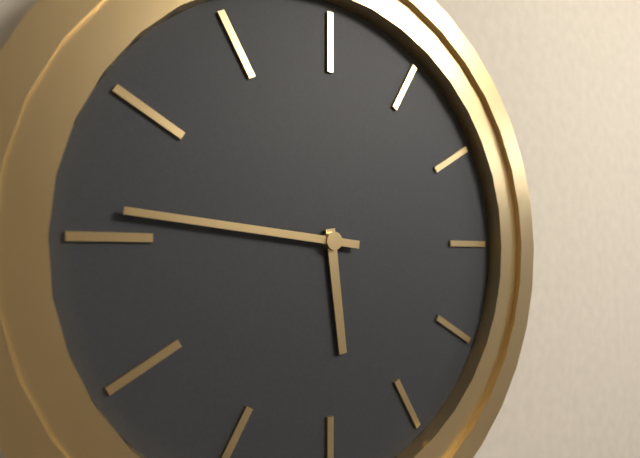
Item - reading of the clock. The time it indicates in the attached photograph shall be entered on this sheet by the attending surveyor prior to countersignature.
5:46
